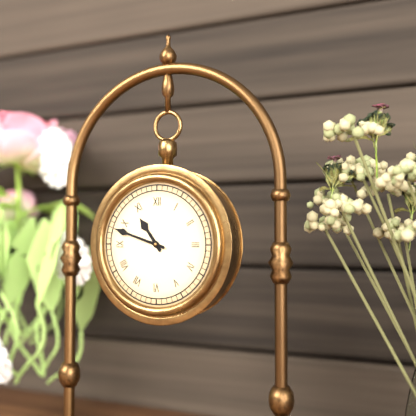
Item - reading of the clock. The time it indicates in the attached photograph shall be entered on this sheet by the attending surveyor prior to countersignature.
10:48
